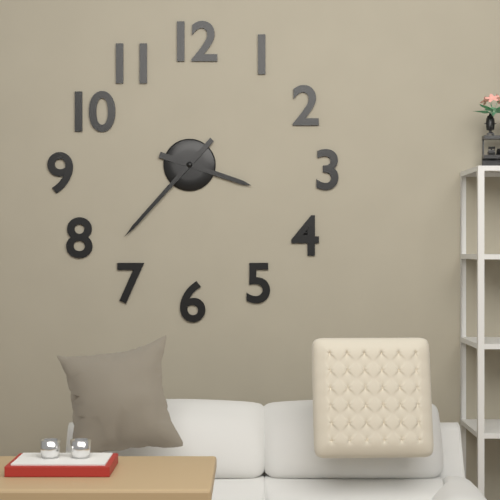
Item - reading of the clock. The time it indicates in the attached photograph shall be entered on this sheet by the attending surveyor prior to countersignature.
3:37
